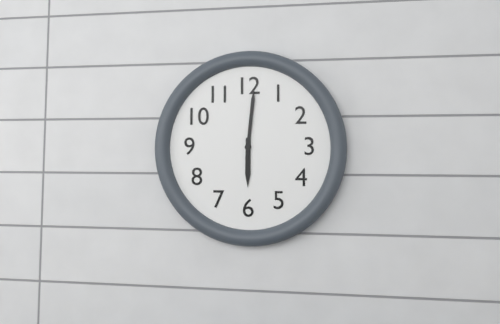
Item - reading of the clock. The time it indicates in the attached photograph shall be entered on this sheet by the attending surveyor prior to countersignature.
6:01
